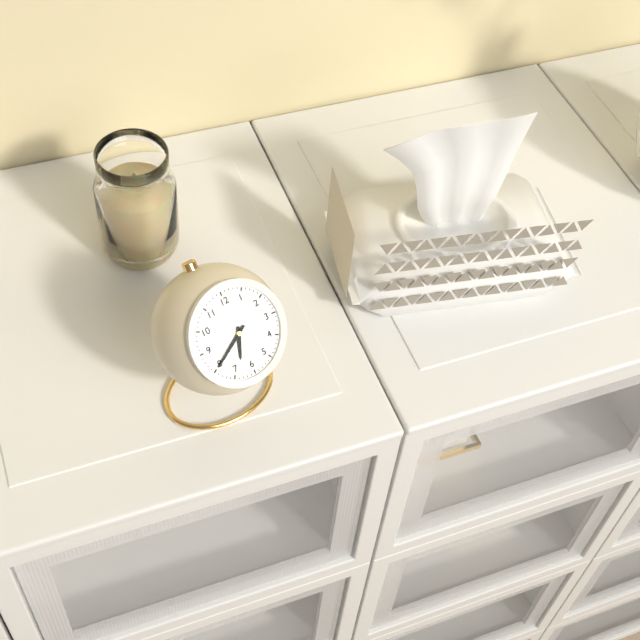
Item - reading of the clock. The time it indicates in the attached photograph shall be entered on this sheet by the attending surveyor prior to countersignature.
6:40
